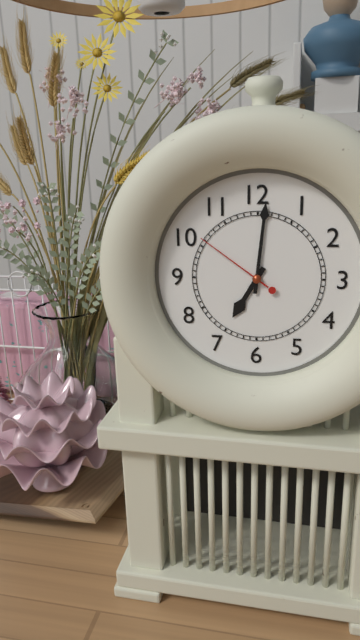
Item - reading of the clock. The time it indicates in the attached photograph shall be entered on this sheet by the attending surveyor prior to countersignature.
7:01:51
